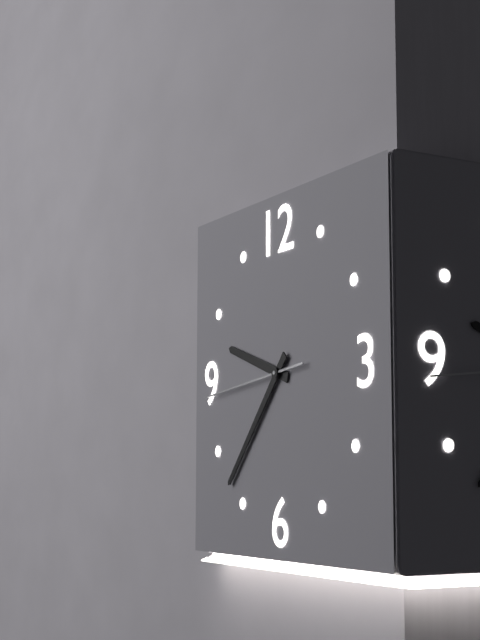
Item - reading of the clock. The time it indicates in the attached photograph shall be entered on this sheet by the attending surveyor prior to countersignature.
9:37:44
